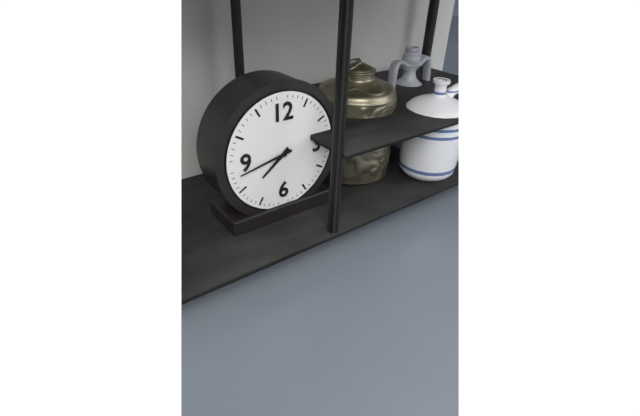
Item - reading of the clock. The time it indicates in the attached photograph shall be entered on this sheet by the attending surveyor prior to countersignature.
7:43
